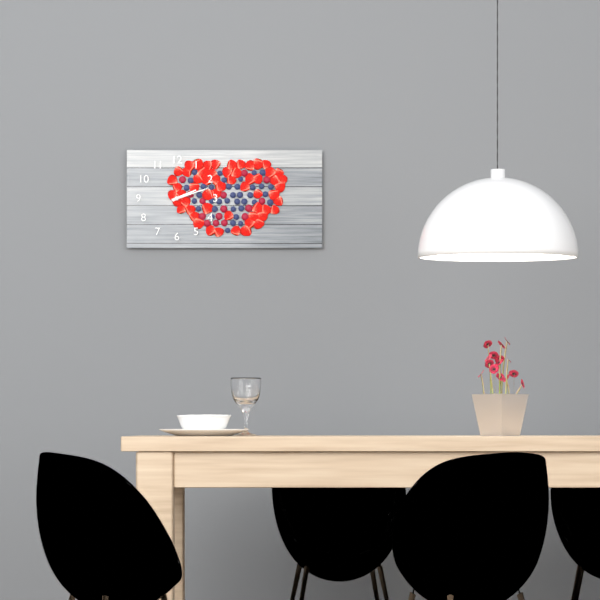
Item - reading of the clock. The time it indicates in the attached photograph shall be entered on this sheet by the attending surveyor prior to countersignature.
2:12
